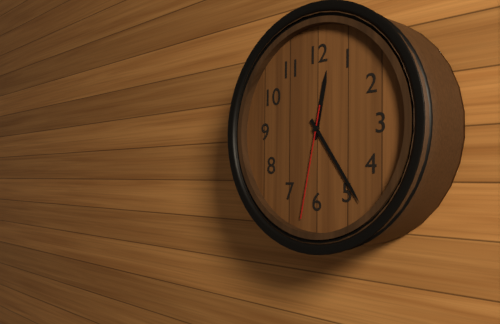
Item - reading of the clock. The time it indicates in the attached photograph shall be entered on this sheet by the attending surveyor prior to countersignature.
12:24:32
